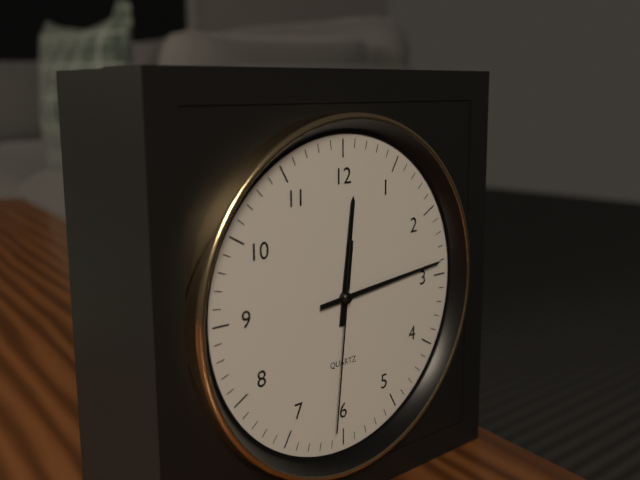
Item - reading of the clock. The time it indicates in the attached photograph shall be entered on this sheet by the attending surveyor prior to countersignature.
12:14:31
